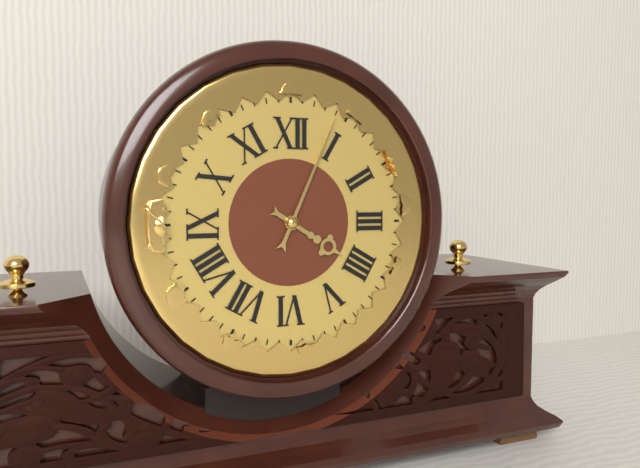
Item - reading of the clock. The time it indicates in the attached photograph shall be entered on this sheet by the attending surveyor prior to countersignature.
4:04
